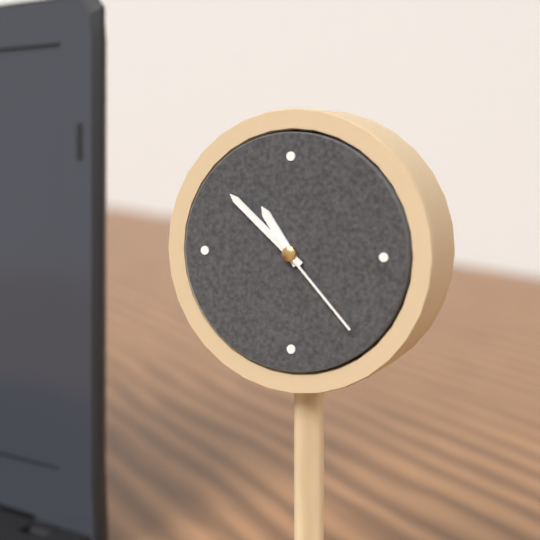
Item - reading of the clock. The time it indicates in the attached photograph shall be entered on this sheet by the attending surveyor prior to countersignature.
10:52:23
